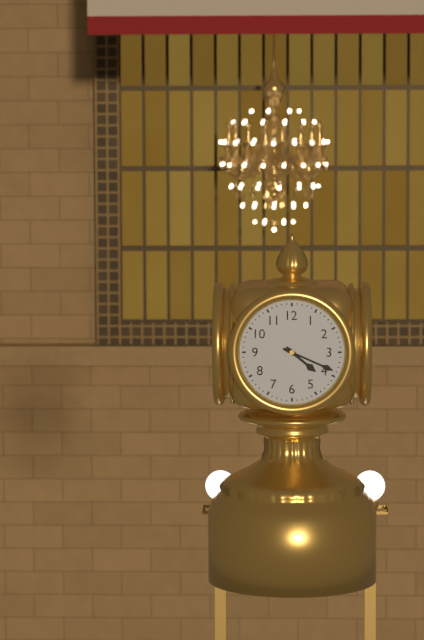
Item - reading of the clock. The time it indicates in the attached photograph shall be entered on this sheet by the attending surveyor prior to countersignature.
4:19
